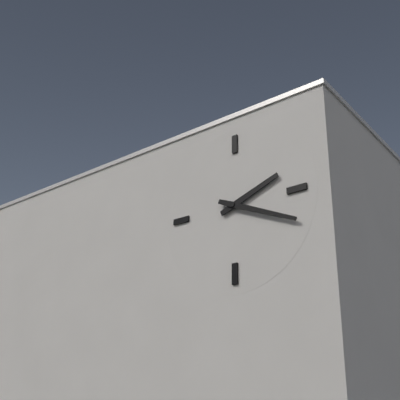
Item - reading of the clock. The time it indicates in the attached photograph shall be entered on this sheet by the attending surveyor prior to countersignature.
2:19
